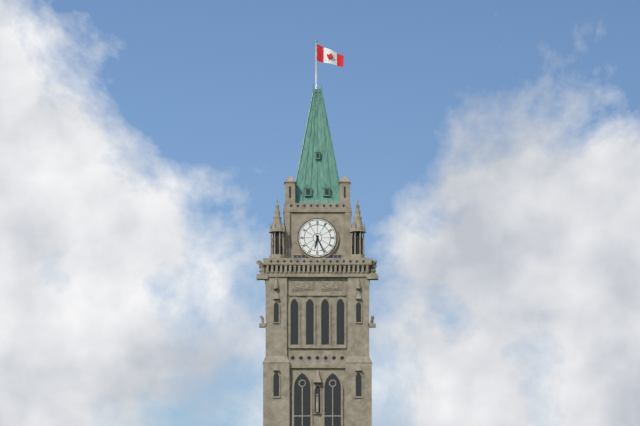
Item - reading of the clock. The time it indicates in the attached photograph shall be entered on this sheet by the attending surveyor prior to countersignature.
6:26
